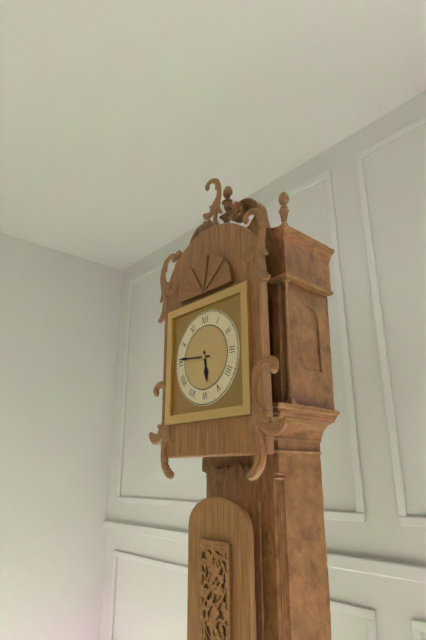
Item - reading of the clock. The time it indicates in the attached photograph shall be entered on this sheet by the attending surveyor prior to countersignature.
5:46
